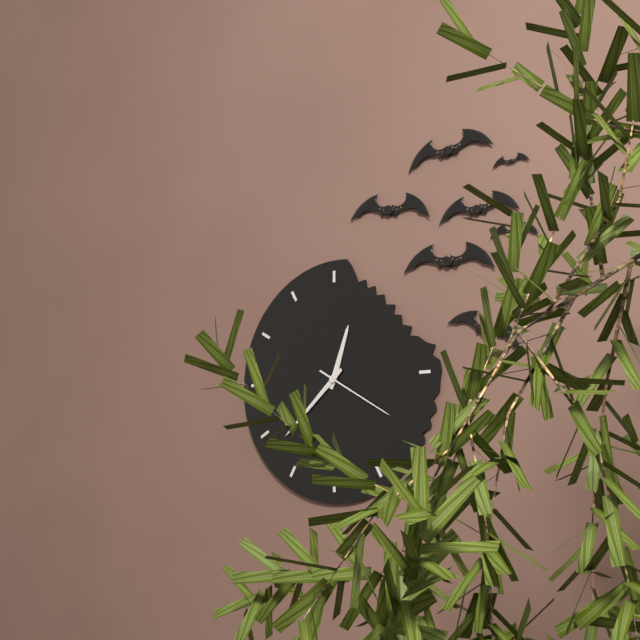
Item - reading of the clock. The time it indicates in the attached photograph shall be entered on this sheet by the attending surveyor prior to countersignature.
12:38:20
